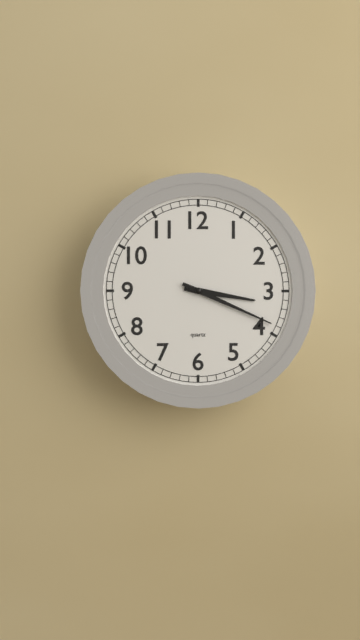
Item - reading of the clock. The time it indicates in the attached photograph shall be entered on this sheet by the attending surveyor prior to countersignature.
3:19
